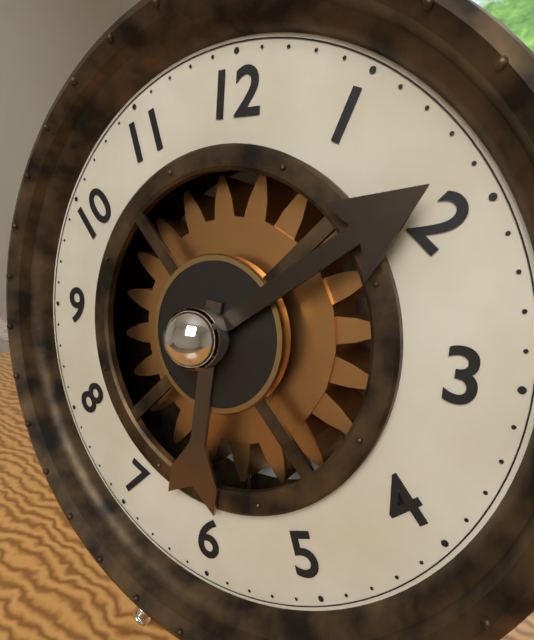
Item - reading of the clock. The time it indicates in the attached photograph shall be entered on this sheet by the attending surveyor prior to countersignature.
6:09
